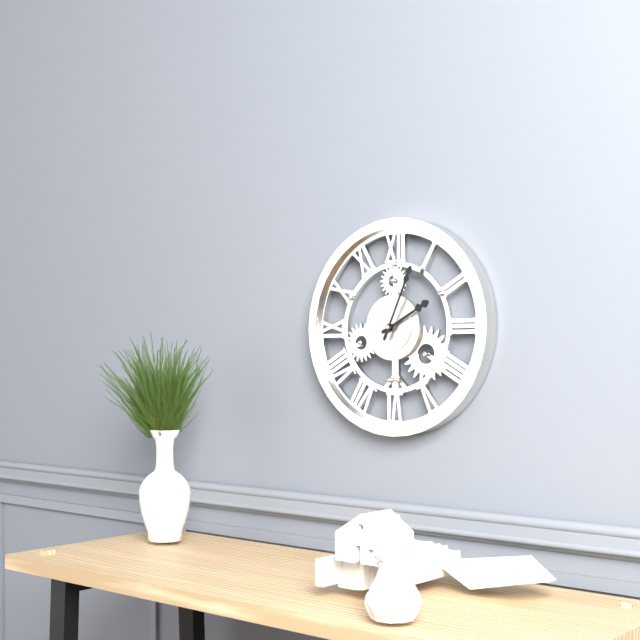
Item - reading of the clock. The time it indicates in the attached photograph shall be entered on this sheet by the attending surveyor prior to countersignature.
2:04
